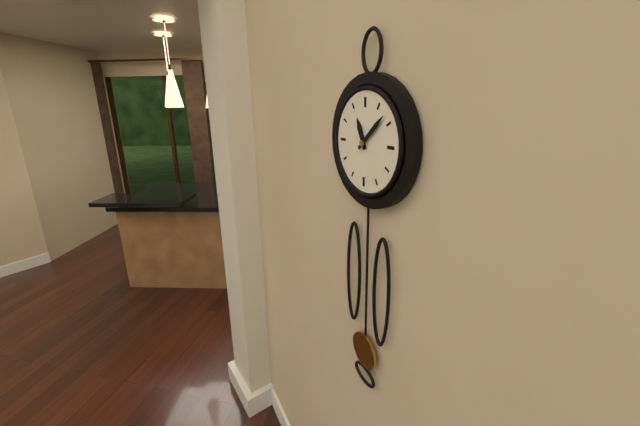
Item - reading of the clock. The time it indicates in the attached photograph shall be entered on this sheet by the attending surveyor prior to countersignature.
11:08
